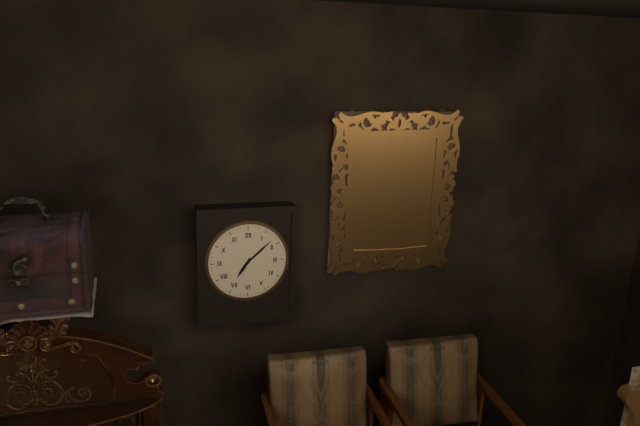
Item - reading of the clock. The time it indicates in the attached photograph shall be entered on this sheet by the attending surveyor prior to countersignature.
7:08
